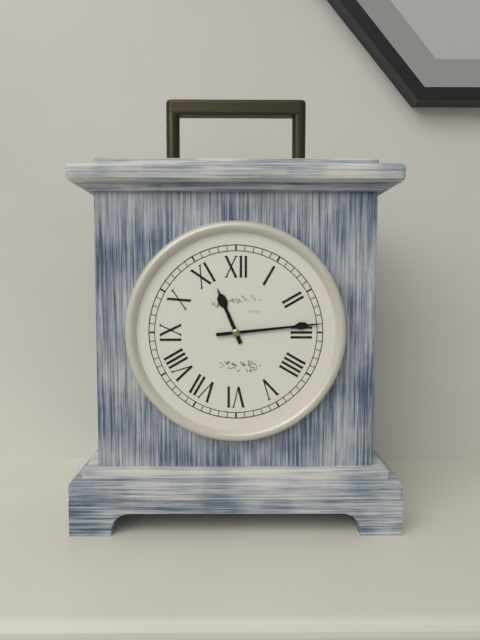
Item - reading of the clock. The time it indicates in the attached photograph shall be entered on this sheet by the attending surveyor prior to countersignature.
11:14
